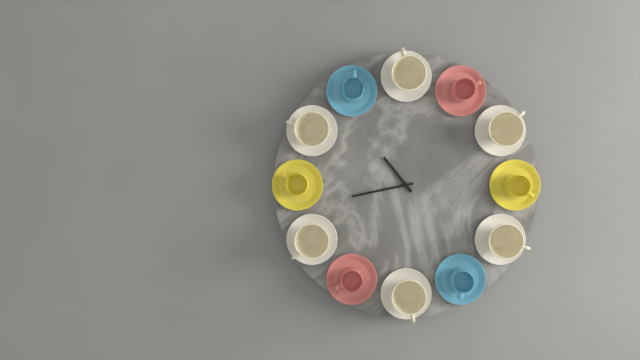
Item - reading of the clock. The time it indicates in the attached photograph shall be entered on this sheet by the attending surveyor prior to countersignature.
10:43
